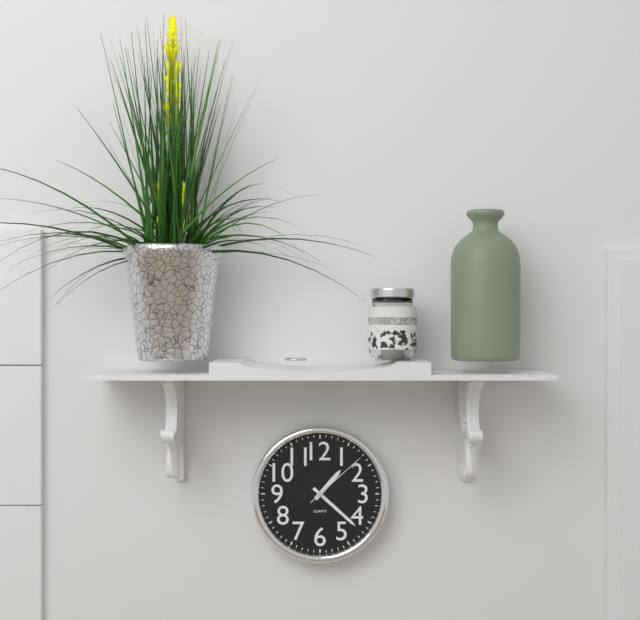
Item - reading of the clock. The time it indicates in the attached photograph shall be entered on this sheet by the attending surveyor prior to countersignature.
1:22:08
